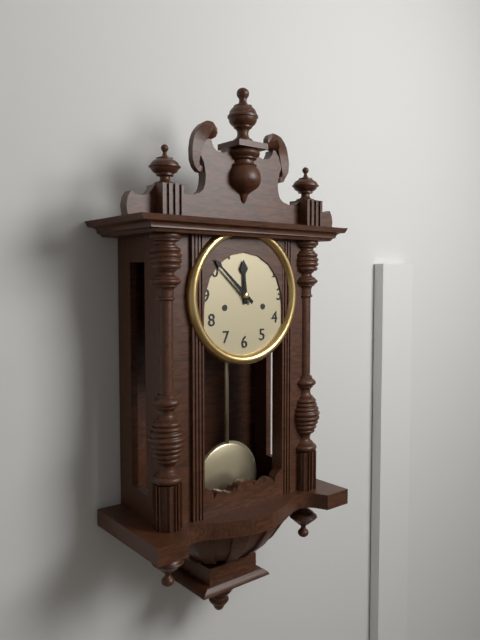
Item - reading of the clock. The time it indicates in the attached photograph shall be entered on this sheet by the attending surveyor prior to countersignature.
11:52
